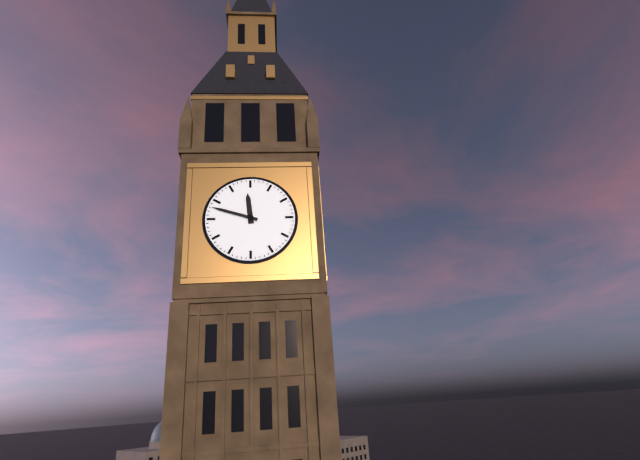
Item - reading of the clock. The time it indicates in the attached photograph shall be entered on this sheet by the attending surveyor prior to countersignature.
11:48
